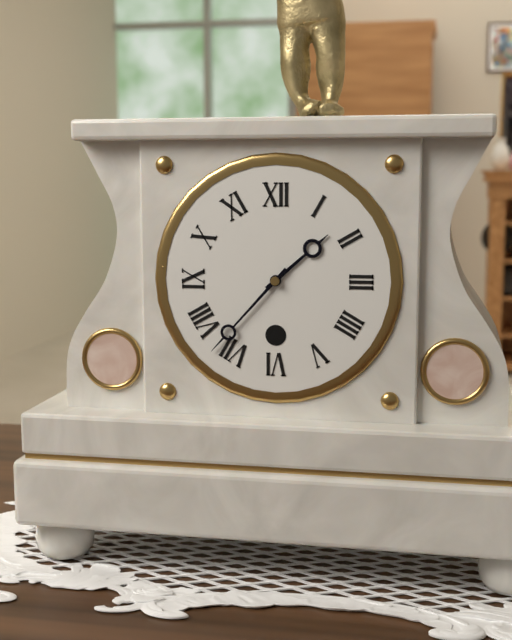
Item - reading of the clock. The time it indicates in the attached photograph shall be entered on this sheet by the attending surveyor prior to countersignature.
1:37
